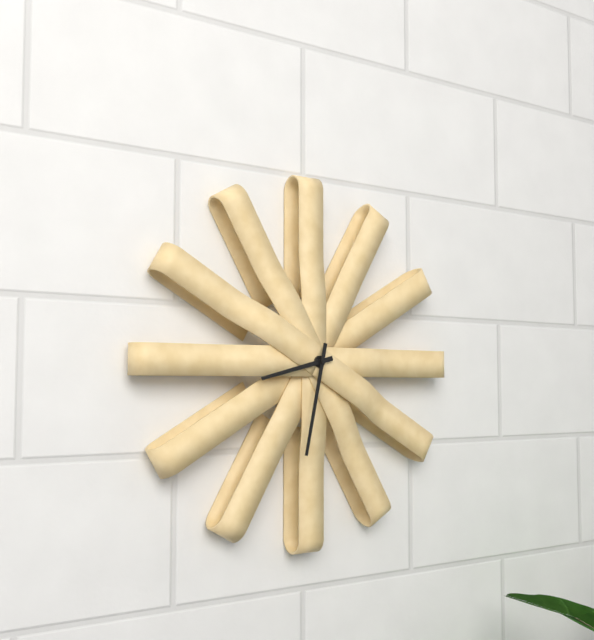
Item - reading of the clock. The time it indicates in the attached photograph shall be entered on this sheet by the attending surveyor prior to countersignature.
8:32
